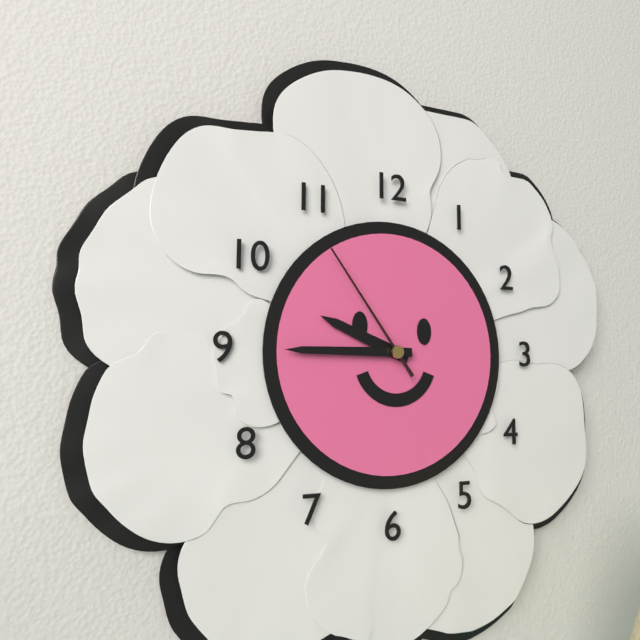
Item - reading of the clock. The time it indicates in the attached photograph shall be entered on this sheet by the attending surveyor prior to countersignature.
9:45:54
